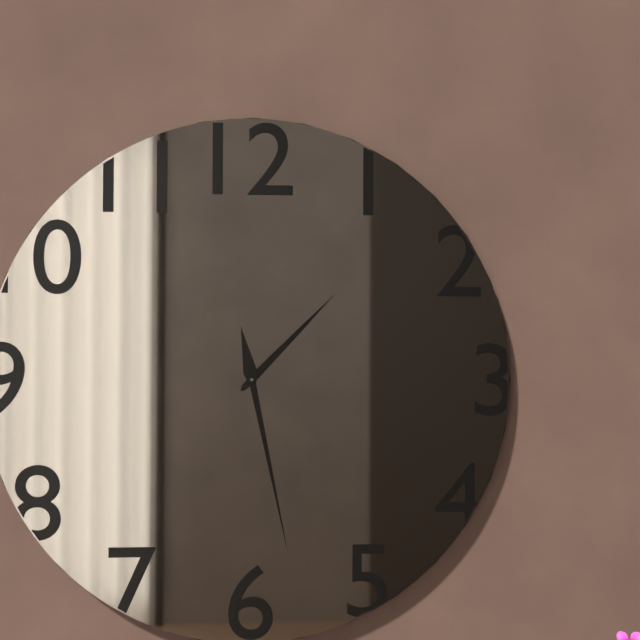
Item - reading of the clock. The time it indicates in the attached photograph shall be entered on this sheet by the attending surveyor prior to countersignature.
1:28
